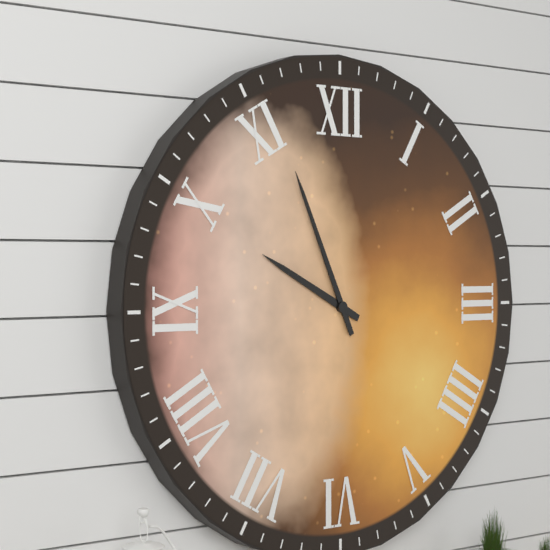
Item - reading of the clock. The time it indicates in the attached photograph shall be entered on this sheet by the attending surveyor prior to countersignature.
9:56
